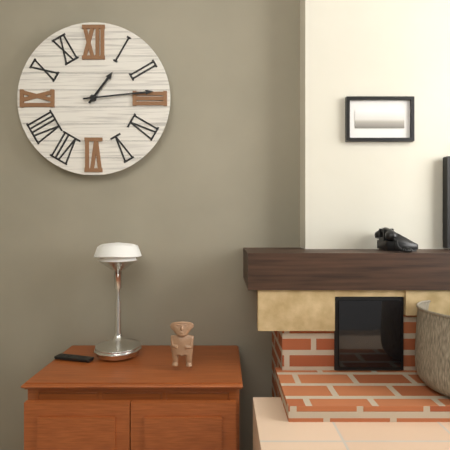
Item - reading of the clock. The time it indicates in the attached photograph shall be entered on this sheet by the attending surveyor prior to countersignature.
1:14
